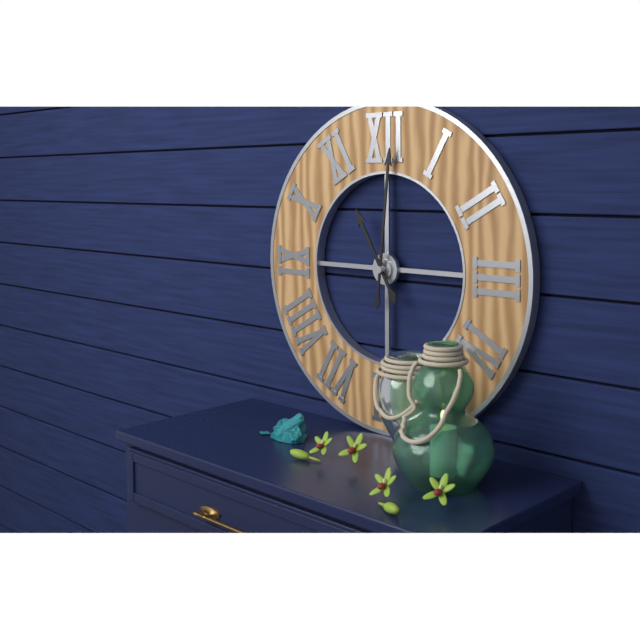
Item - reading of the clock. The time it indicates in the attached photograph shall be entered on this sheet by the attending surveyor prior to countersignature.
11:01
